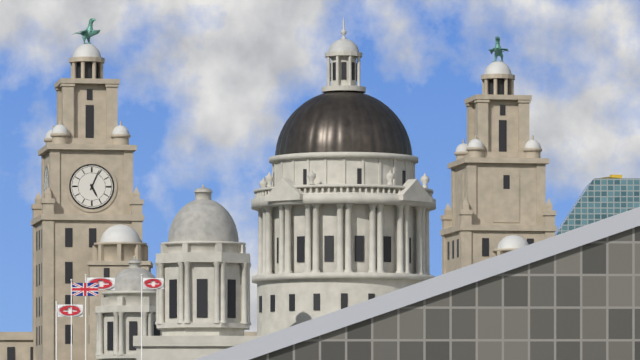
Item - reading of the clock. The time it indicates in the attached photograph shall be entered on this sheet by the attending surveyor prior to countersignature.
5:04
